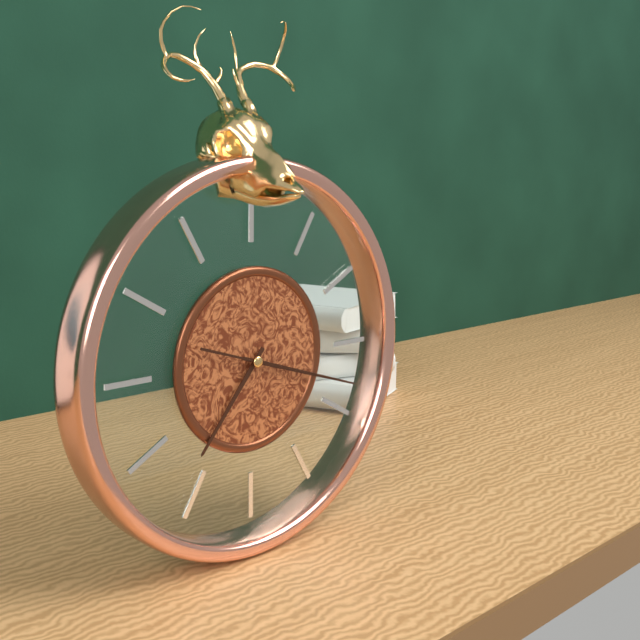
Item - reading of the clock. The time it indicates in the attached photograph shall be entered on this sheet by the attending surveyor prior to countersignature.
7:18:18
